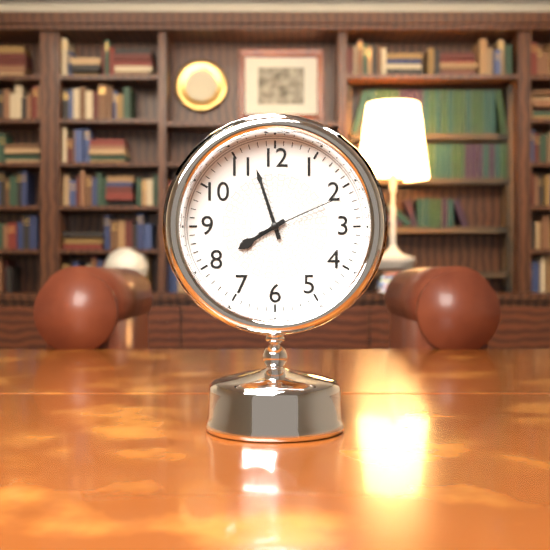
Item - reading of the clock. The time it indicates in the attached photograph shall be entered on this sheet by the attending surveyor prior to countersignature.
7:57:11
